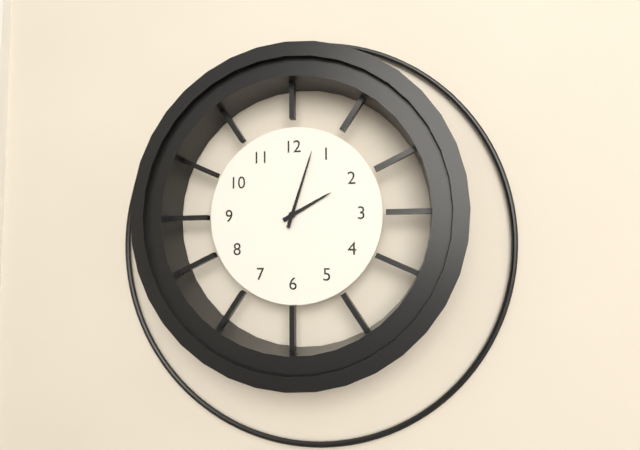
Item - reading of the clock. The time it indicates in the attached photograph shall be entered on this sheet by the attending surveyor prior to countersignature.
2:03
